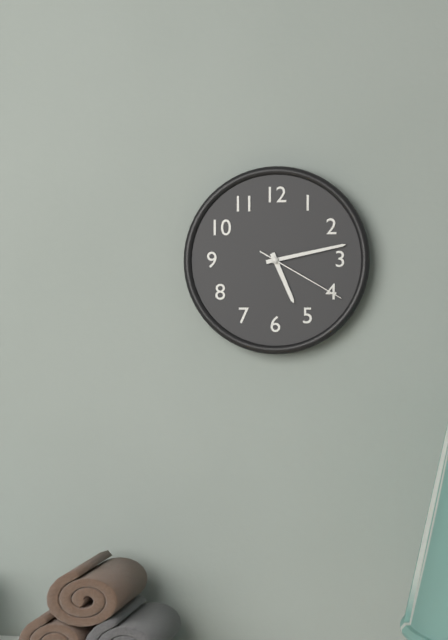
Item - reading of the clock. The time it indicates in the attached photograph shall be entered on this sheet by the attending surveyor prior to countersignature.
5:13:20
